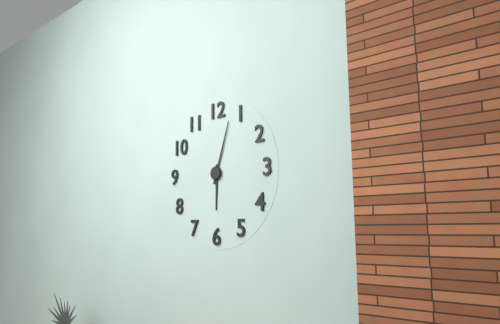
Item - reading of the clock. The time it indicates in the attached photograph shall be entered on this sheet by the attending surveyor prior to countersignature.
6:03
